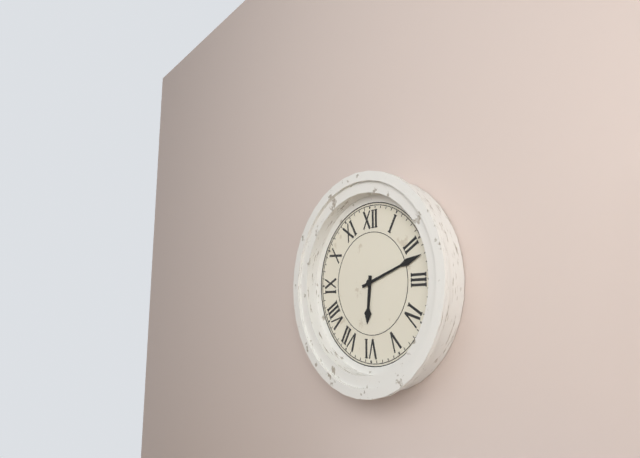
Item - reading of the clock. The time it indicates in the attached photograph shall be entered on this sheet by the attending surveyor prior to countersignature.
6:12
